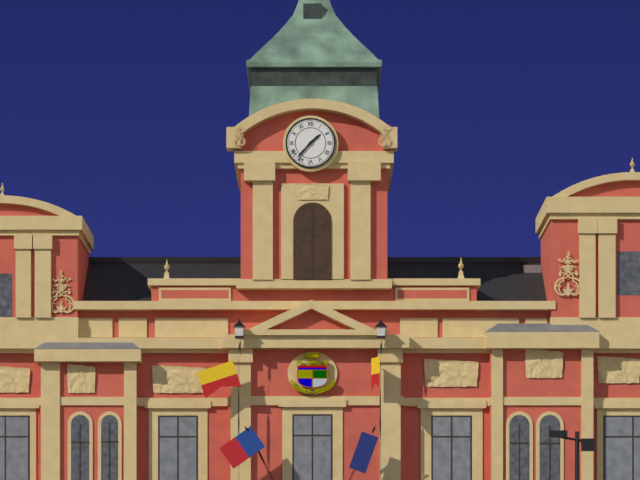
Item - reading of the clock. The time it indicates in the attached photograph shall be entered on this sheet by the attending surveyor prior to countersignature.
1:37
